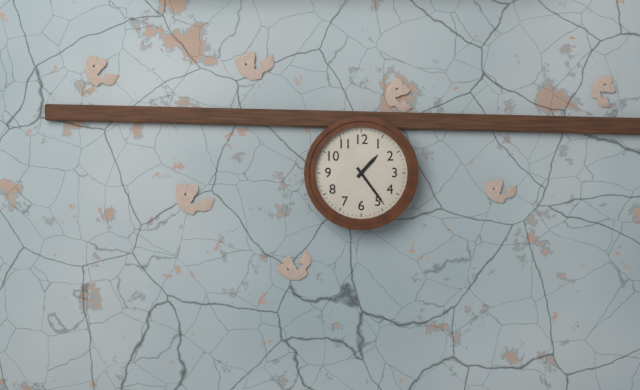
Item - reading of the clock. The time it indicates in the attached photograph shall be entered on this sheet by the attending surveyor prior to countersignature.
1:24
